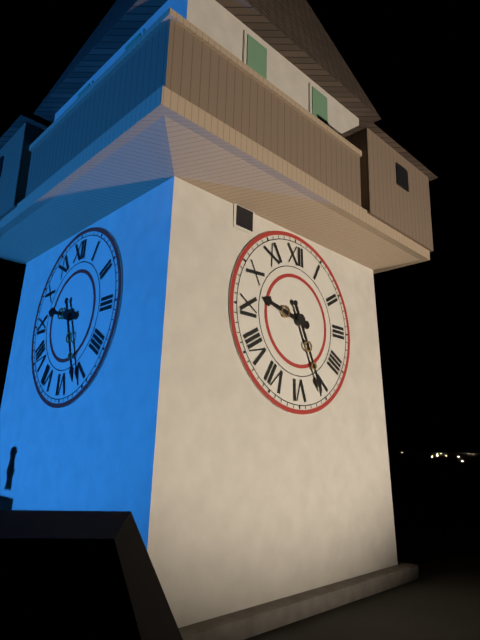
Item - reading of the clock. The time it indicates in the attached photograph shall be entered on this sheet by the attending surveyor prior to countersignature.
9:26
